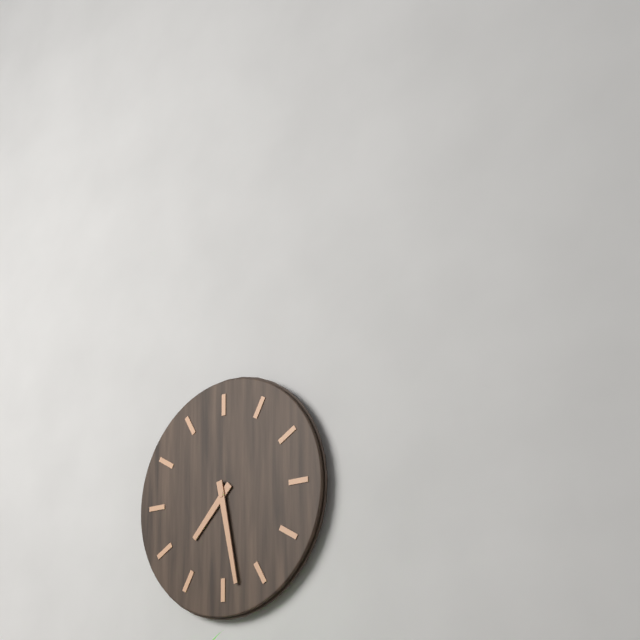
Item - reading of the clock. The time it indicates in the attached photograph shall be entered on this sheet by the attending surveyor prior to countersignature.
7:28
